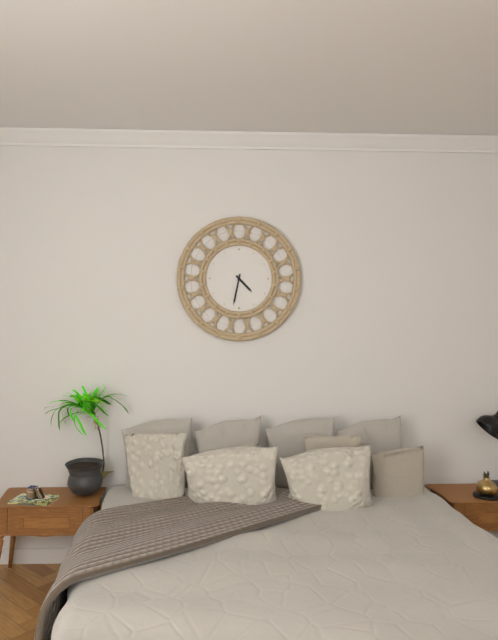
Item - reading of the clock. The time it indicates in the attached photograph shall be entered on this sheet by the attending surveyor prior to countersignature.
4:32
